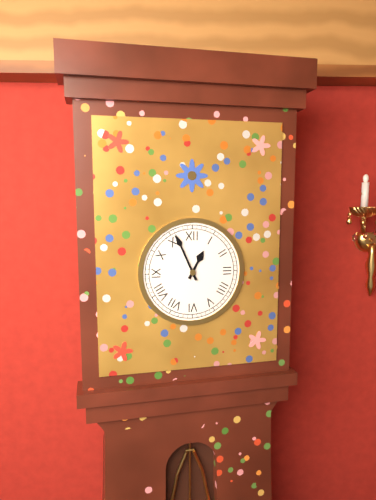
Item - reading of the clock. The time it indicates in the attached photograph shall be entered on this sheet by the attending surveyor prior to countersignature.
12:56
